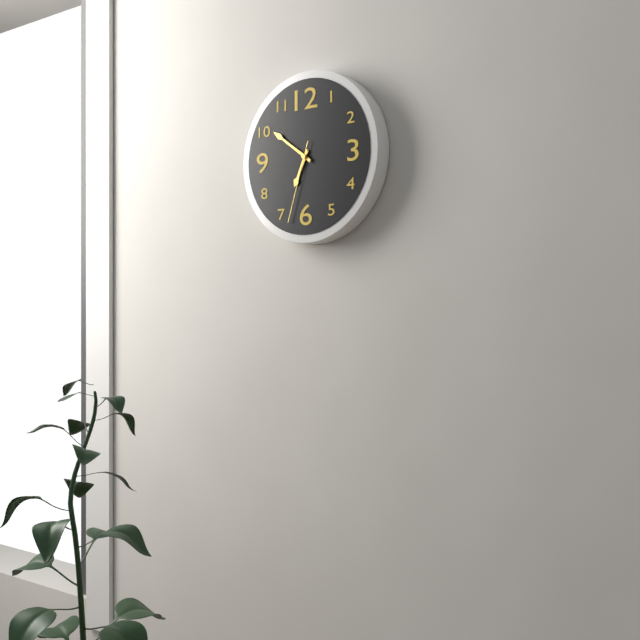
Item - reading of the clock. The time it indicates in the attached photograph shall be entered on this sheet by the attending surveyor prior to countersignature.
6:51:33
